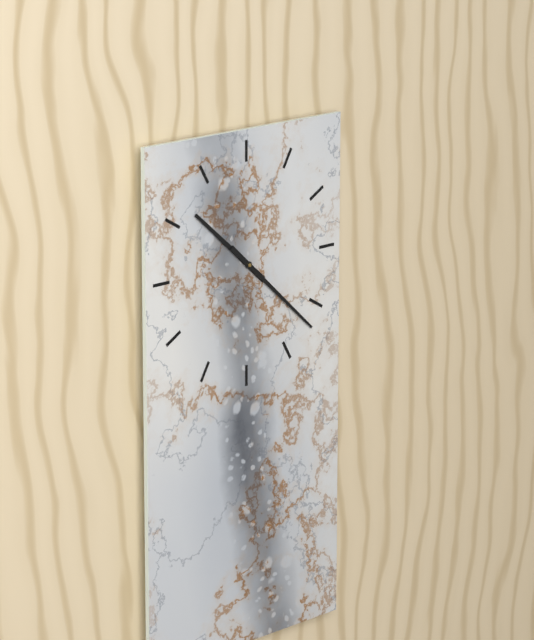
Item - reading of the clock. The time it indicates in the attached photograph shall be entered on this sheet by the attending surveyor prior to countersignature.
10:22
